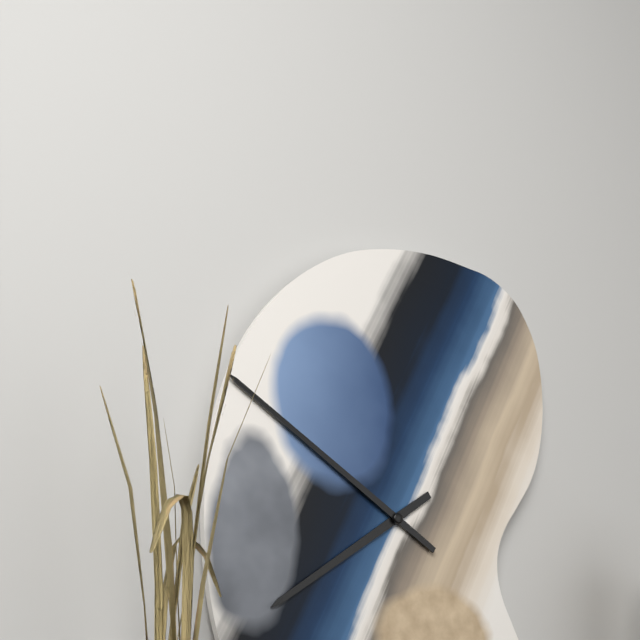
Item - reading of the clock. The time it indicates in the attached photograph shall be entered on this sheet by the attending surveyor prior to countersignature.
7:50
